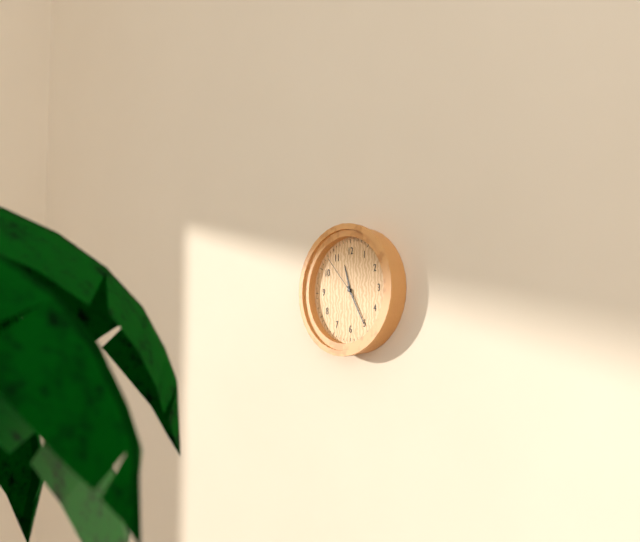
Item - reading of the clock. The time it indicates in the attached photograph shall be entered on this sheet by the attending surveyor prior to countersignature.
11:25
